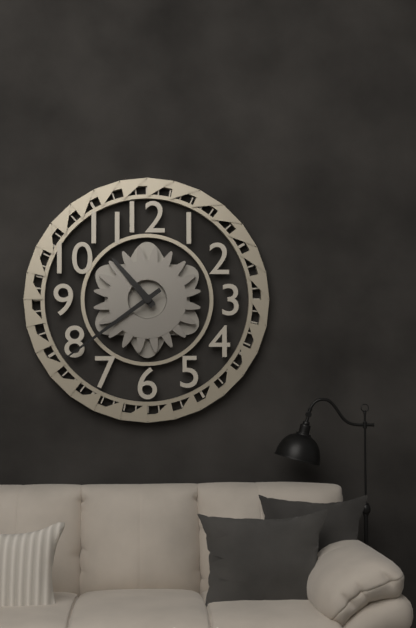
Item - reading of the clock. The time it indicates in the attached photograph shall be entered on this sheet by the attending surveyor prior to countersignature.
10:39
